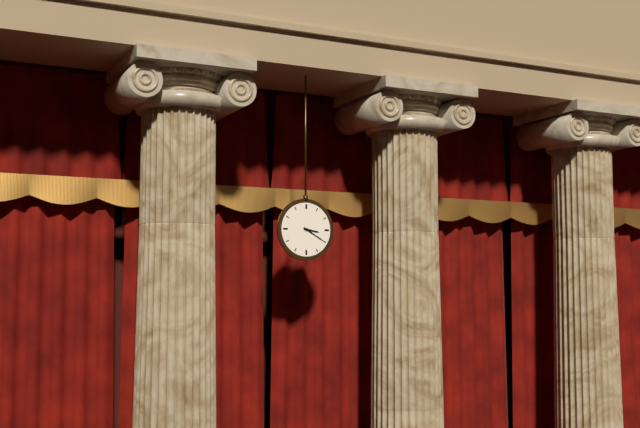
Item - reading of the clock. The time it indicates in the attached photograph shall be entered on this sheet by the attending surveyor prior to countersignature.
3:20
